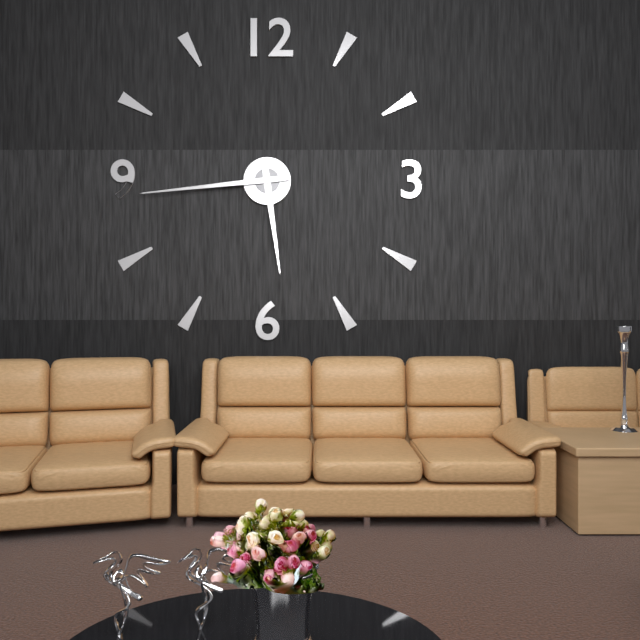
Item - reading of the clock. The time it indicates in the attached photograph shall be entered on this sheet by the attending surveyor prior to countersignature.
5:44
